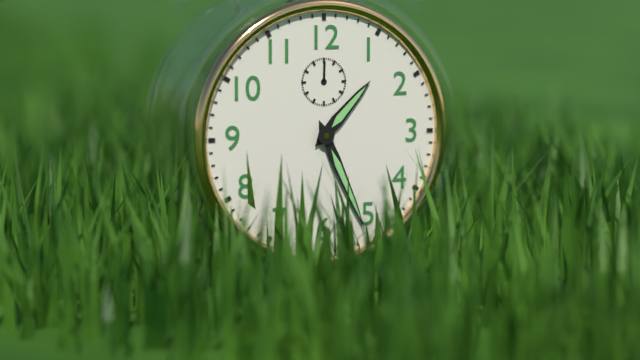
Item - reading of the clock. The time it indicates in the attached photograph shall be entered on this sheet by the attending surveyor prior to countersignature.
1:26
